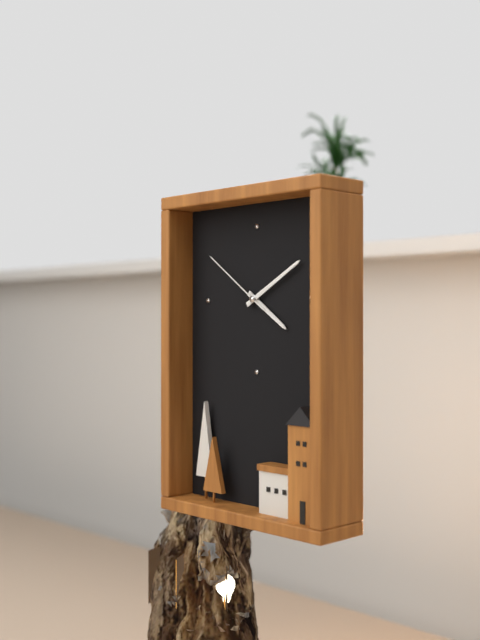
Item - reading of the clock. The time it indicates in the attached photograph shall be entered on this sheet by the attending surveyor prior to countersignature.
4:10:51
